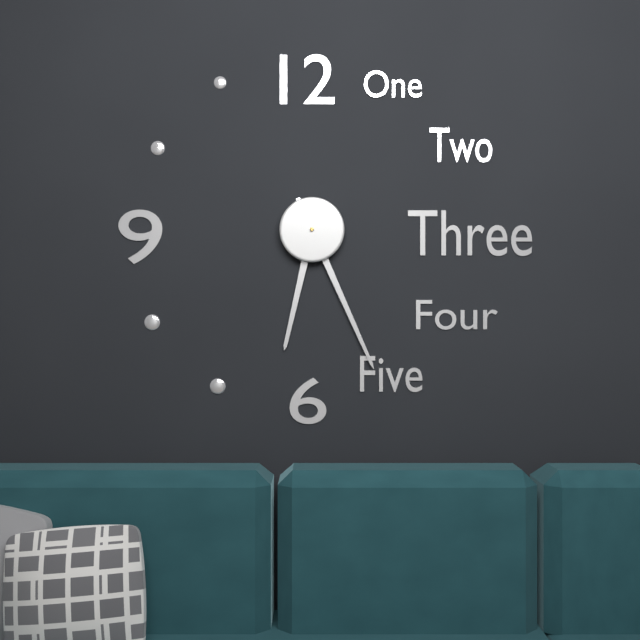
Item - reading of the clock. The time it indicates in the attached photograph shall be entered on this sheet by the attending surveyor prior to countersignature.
6:26
